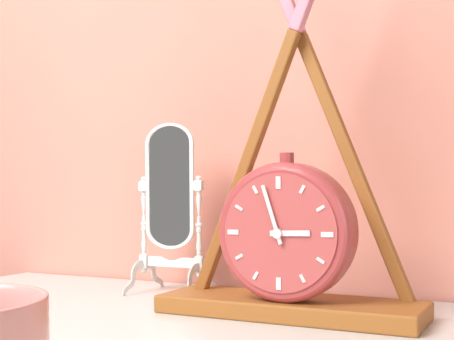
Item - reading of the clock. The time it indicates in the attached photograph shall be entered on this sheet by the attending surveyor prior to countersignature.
2:57
